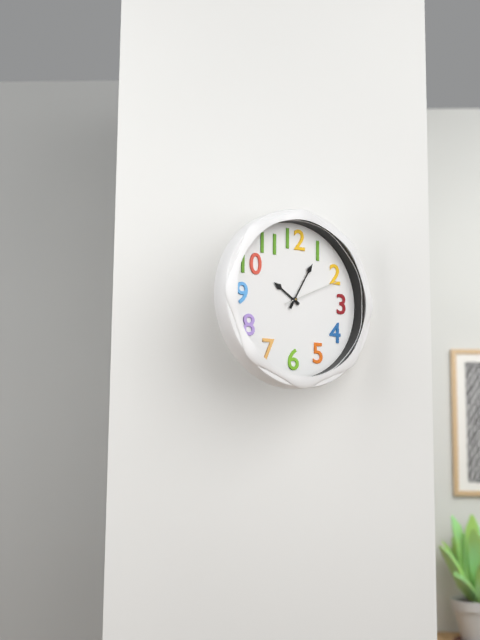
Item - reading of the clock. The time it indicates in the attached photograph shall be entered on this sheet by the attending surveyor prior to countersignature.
10:05:11
